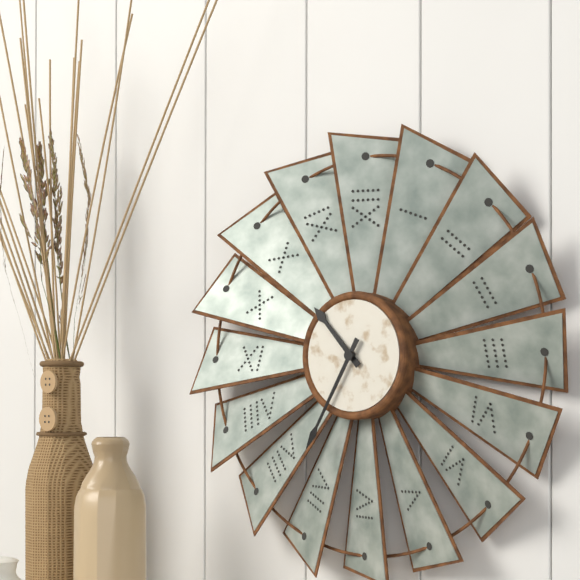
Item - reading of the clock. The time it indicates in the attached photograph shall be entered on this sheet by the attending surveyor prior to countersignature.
10:35
